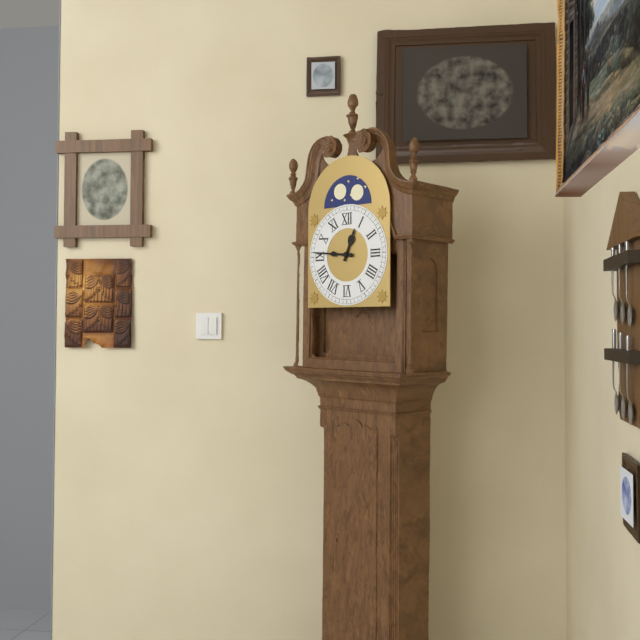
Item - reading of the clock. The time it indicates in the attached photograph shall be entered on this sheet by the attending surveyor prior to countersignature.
12:46
